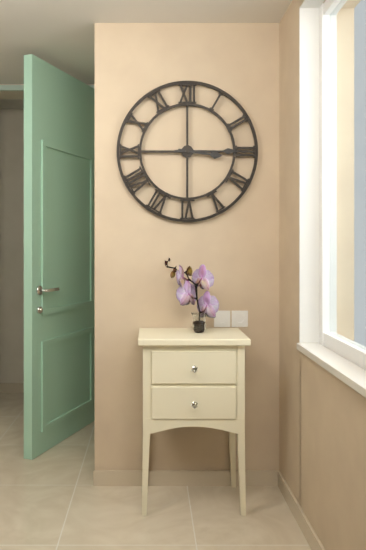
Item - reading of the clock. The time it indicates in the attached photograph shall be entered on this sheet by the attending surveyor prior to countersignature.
3:15
